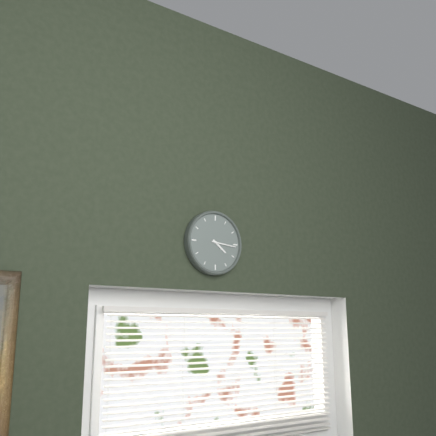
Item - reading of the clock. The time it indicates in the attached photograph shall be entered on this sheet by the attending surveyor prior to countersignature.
4:16
